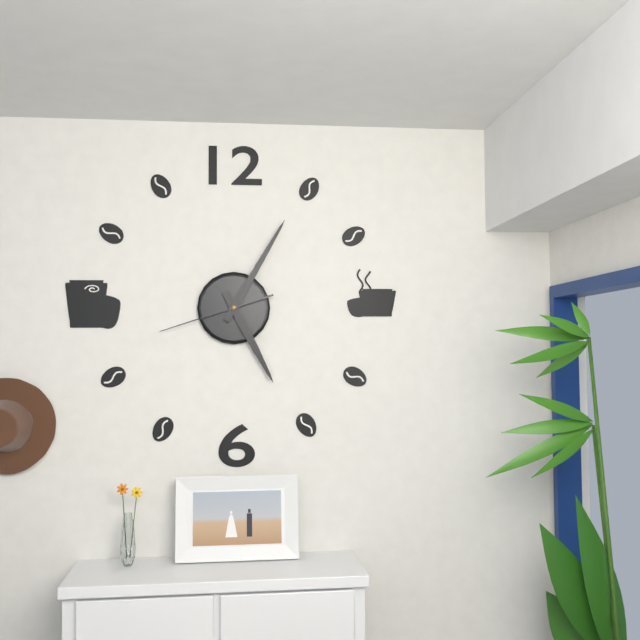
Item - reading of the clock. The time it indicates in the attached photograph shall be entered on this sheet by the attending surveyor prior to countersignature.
5:05:42
